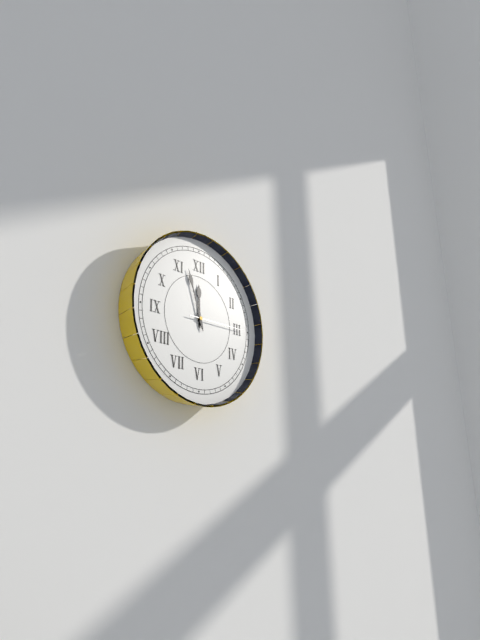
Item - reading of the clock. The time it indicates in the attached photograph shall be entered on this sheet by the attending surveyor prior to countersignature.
11:57:15
